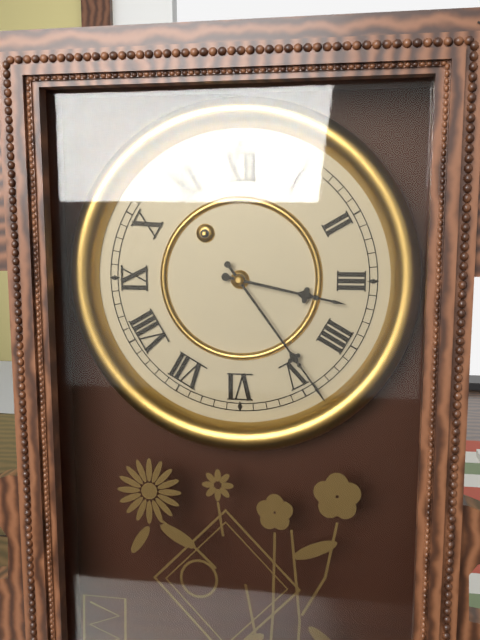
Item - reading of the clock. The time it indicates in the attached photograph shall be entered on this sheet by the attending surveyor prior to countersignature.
3:24
